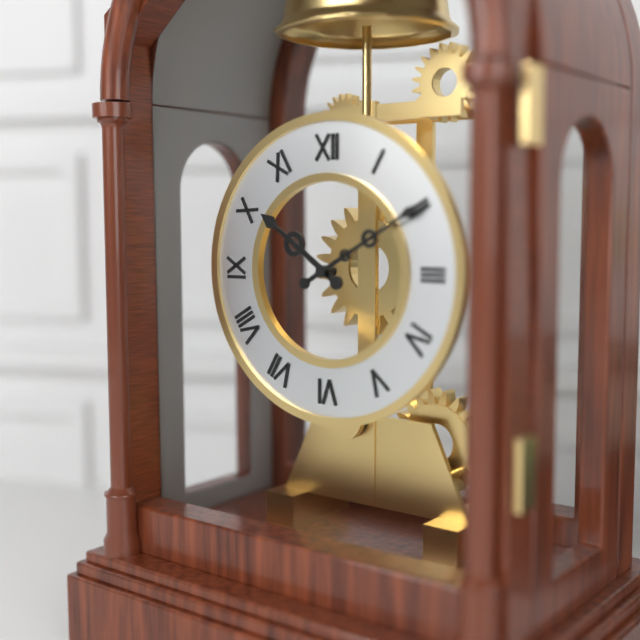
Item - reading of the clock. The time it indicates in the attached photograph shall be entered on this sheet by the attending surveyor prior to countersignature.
10:10
